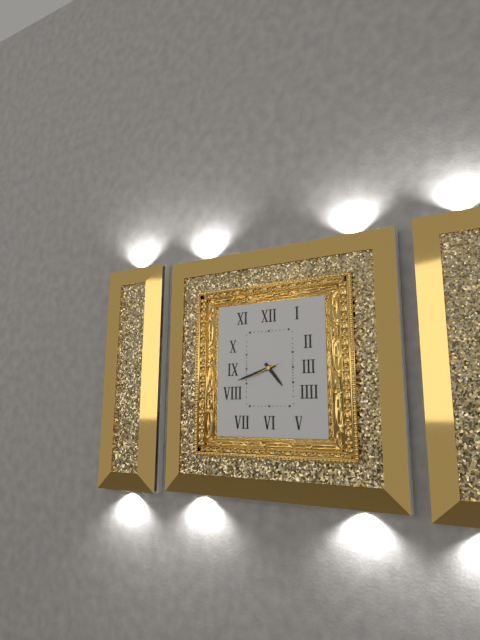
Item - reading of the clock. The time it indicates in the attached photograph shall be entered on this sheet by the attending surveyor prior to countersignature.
4:42
